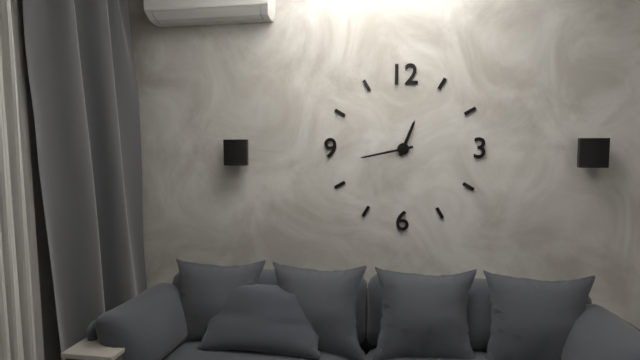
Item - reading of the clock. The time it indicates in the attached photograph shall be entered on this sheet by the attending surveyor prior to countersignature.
12:43
